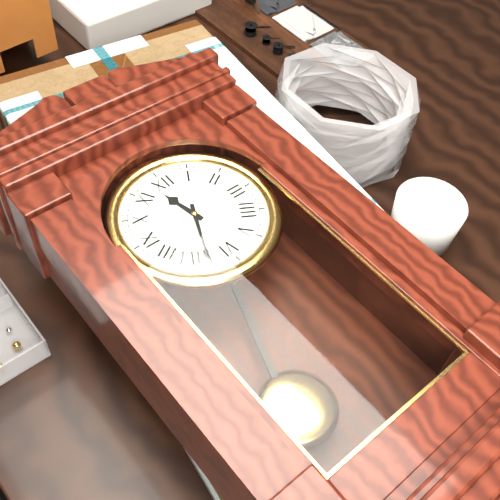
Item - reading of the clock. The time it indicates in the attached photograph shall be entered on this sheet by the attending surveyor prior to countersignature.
11:34
